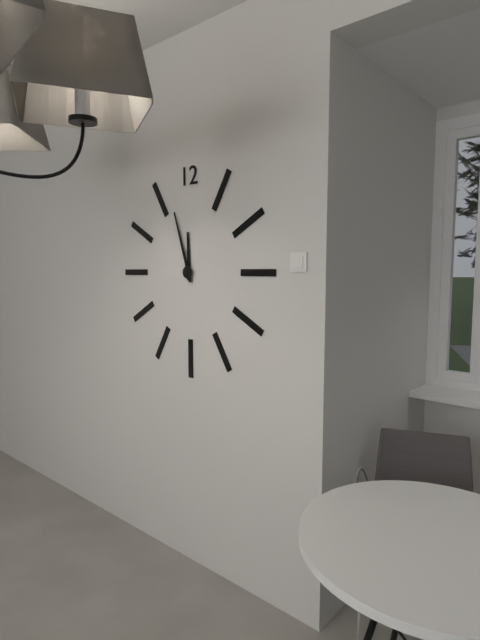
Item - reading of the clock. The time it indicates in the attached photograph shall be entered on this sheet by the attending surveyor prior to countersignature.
11:57
